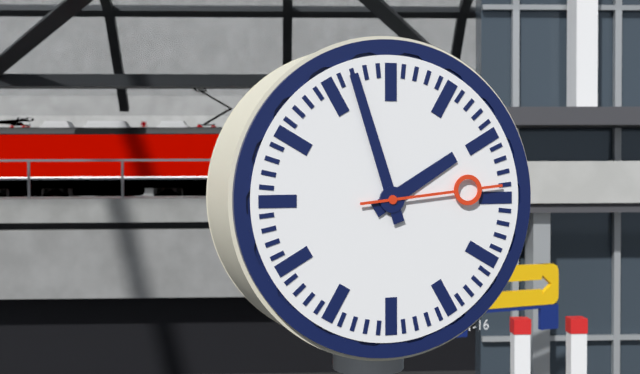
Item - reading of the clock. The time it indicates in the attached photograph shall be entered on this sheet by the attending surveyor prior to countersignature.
1:57:14
